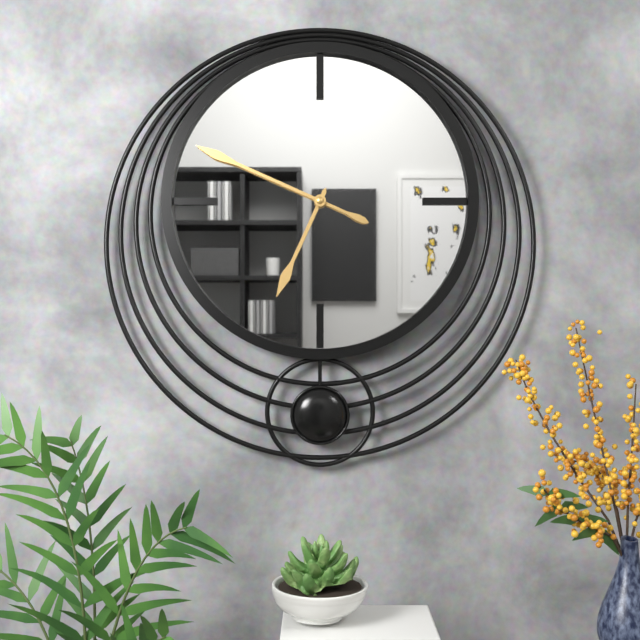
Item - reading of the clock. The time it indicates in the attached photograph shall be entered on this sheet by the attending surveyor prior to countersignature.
6:49
